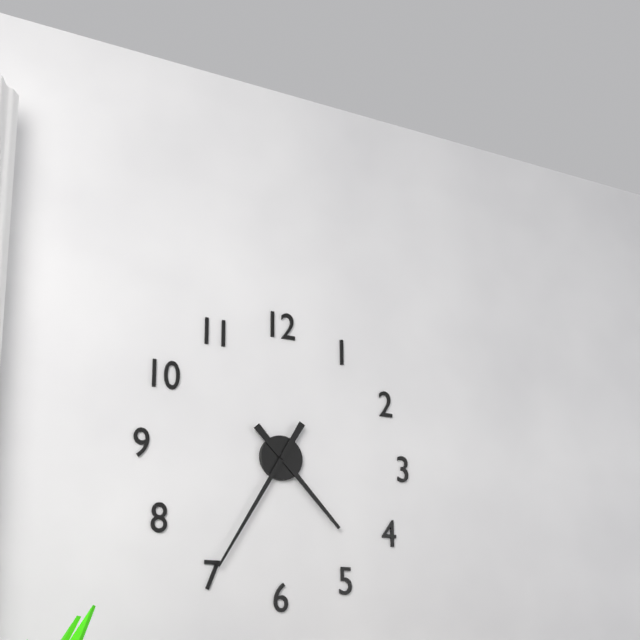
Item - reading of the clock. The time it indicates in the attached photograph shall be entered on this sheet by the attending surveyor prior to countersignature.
4:35
